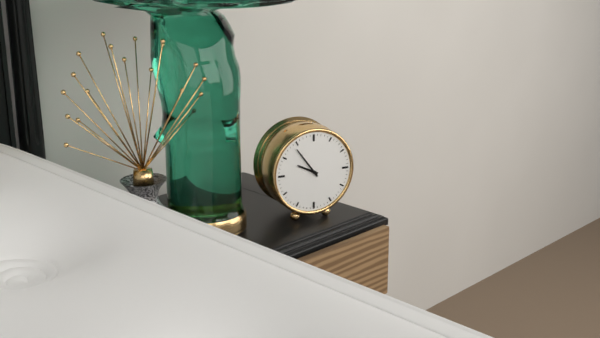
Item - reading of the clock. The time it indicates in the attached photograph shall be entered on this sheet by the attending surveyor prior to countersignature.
9:54
